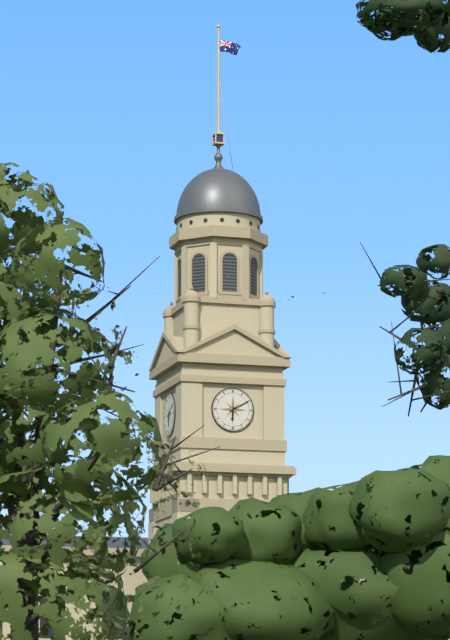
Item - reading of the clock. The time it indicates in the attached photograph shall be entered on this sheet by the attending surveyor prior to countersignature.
6:10
